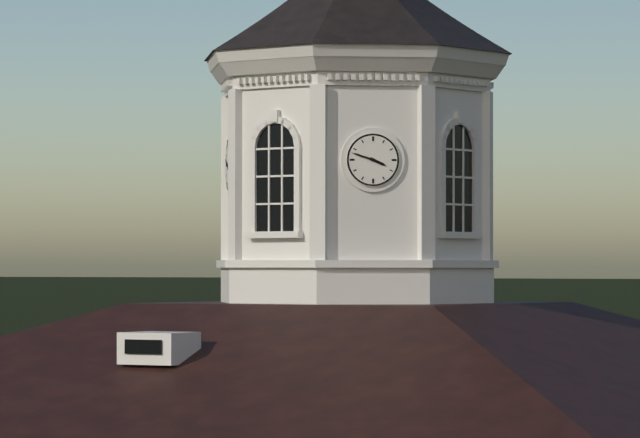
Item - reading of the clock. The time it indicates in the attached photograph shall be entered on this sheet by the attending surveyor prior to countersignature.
3:48
